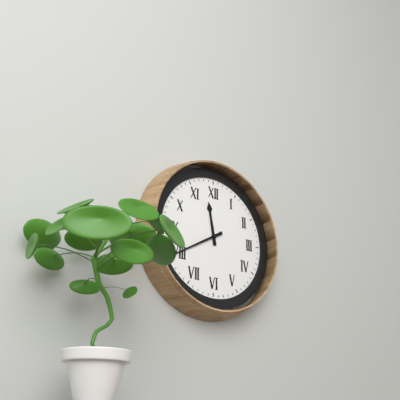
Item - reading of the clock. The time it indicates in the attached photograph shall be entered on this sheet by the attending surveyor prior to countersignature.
11:40
